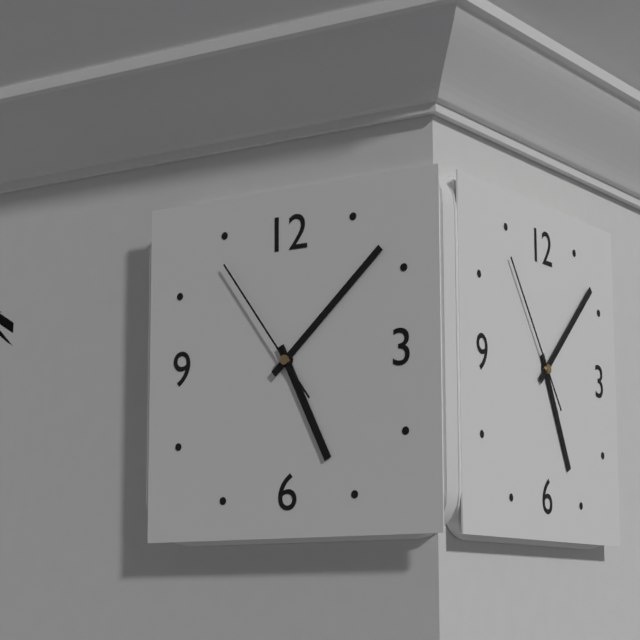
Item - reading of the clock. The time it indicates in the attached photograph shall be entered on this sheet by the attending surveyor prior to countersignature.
5:08:54
